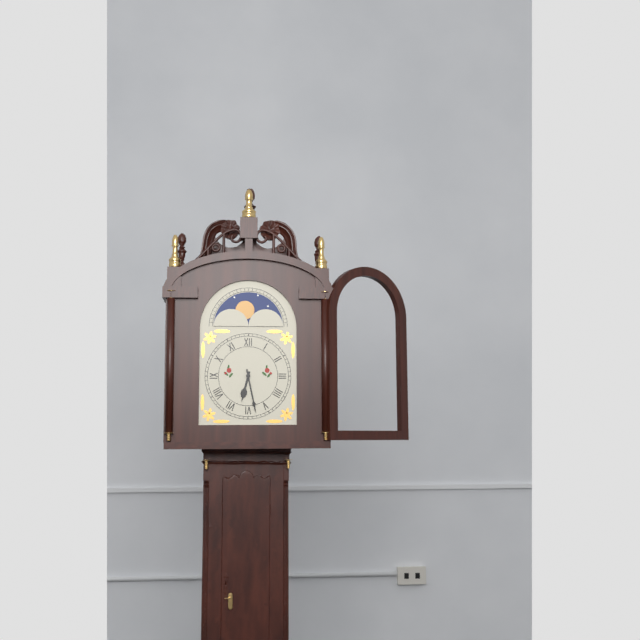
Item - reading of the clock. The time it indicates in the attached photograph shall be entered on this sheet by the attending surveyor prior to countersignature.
6:28
